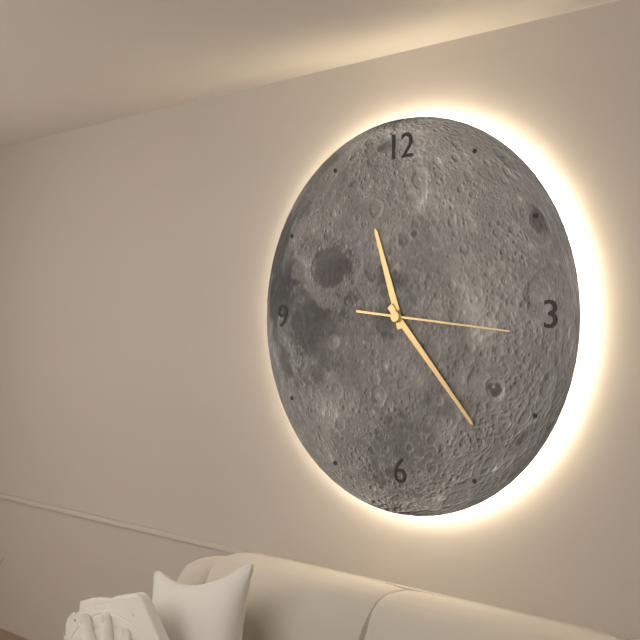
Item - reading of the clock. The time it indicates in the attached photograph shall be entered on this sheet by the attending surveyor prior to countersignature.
11:23:16
